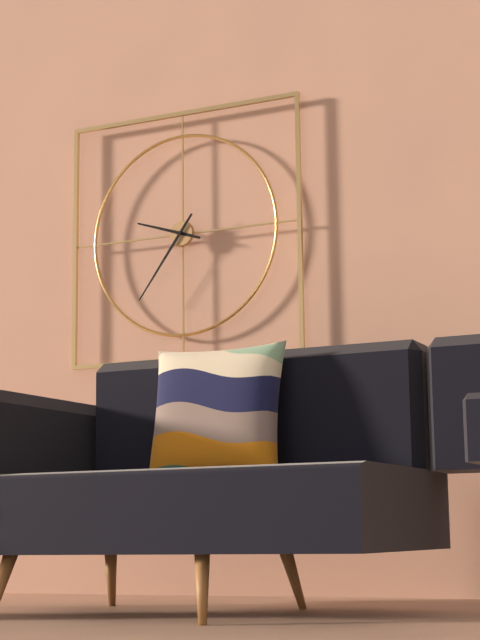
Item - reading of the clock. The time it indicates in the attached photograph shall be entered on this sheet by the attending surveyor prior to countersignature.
9:36
